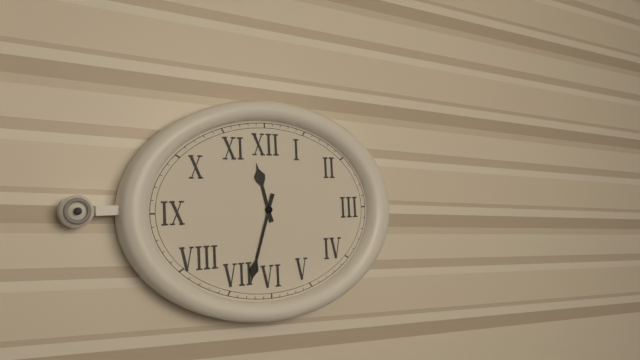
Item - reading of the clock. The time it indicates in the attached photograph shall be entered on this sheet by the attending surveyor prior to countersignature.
11:33
